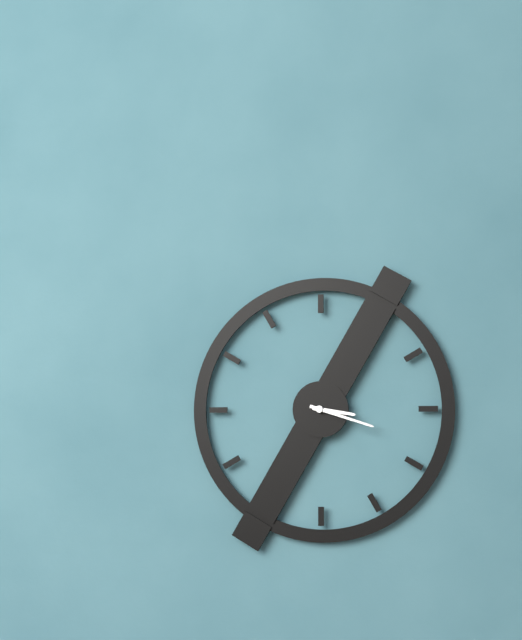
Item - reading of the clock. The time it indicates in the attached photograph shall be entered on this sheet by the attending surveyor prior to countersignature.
3:18
